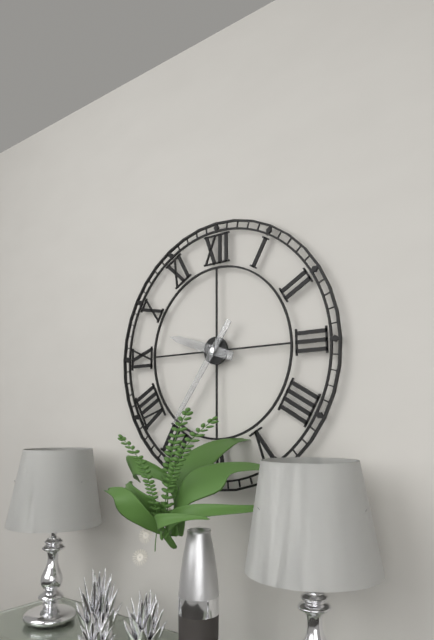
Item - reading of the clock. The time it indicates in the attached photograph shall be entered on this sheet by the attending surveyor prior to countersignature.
9:36
